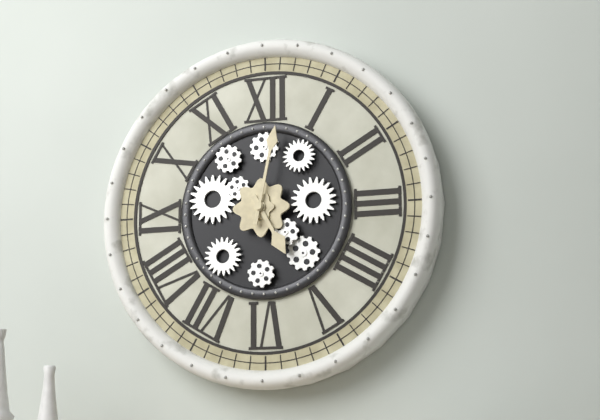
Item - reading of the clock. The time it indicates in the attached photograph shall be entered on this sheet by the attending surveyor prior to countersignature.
5:02
